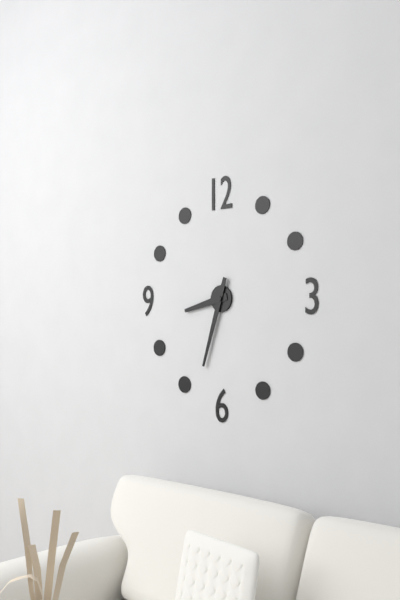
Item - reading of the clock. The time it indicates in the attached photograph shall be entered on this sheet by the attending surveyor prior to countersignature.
8:33
